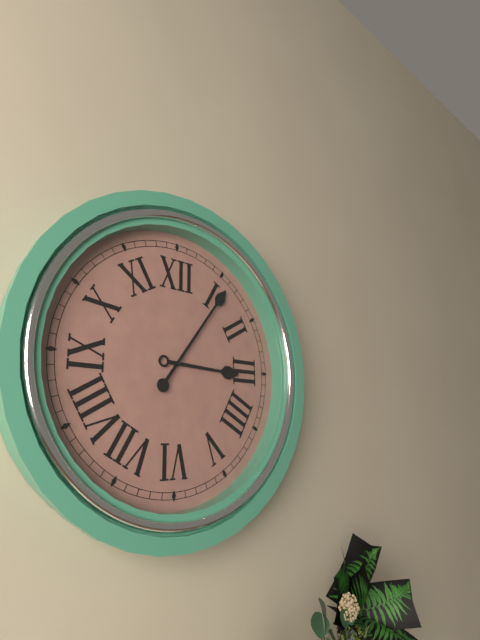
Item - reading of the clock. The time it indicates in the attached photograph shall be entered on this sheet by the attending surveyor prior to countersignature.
3:06
